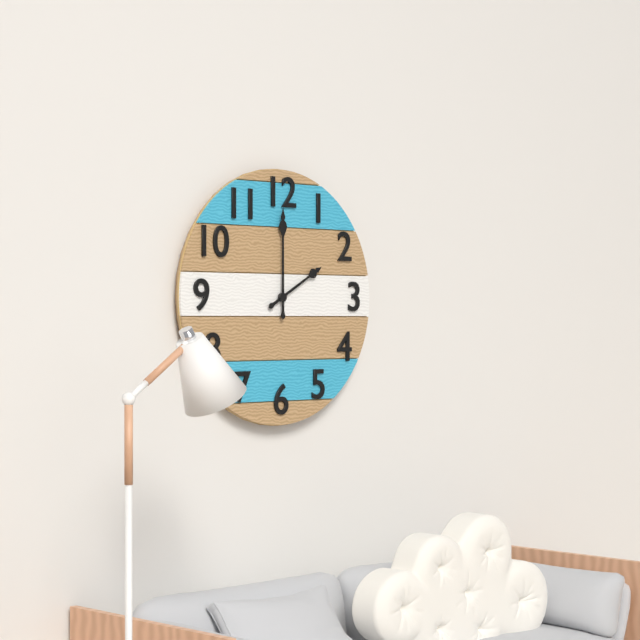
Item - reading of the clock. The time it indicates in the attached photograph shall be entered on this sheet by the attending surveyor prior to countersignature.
2:00
